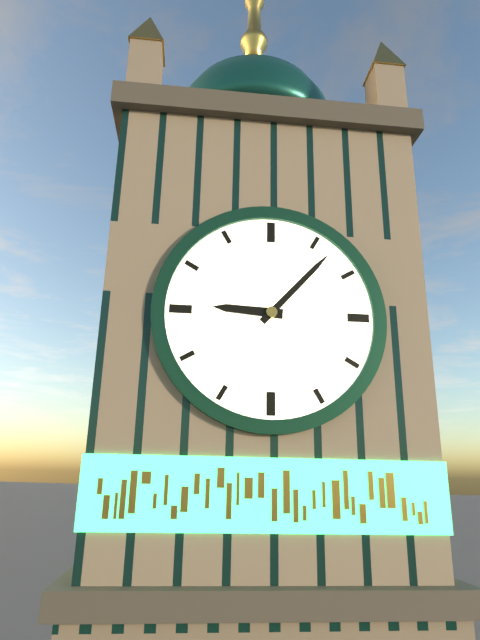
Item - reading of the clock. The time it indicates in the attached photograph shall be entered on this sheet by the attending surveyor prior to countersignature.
9:07
